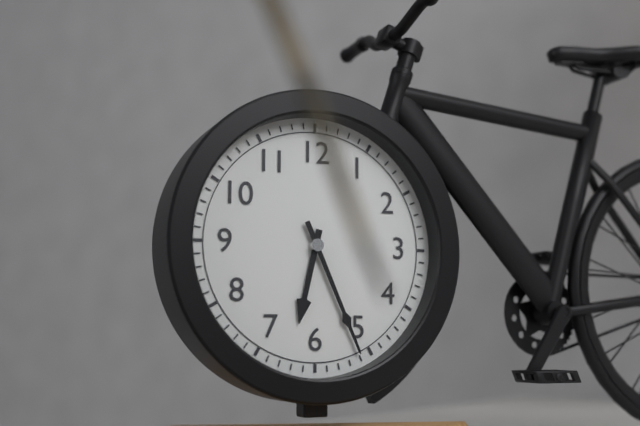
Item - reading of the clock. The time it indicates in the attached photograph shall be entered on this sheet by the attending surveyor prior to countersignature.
6:26
